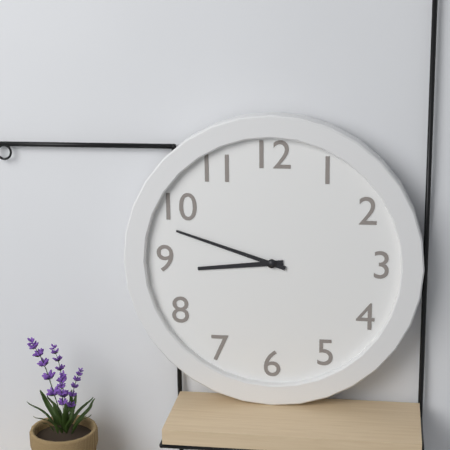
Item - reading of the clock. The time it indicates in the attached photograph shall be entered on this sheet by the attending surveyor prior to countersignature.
8:48
